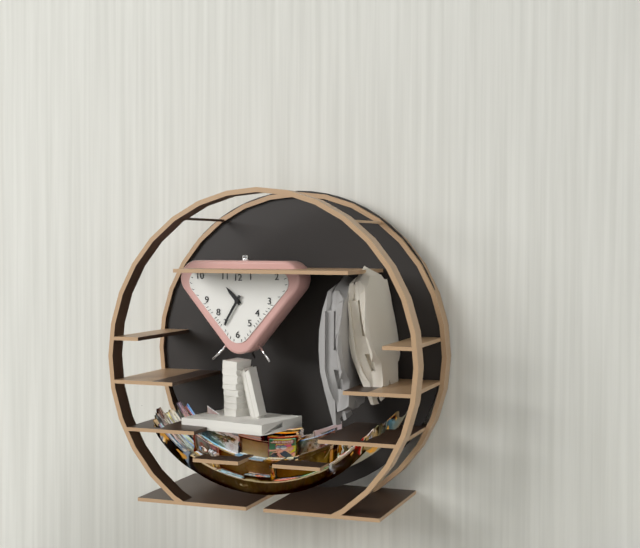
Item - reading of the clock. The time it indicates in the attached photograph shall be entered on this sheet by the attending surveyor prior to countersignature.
10:35
